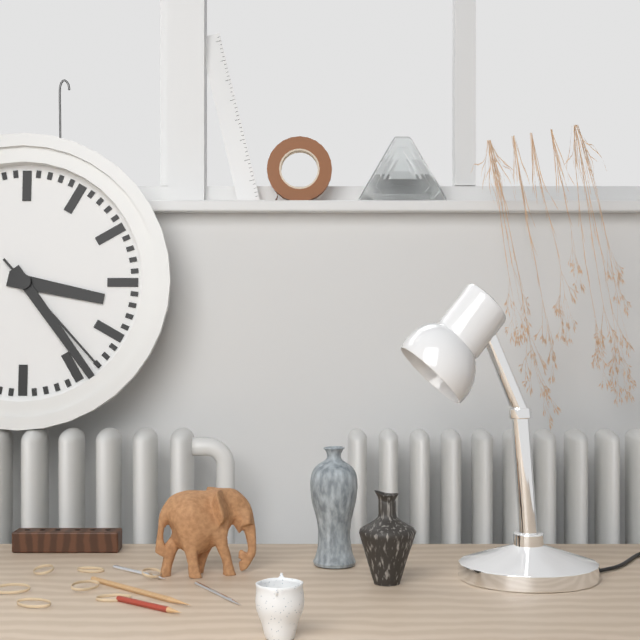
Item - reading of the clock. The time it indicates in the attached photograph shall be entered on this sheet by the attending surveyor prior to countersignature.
3:24:23
